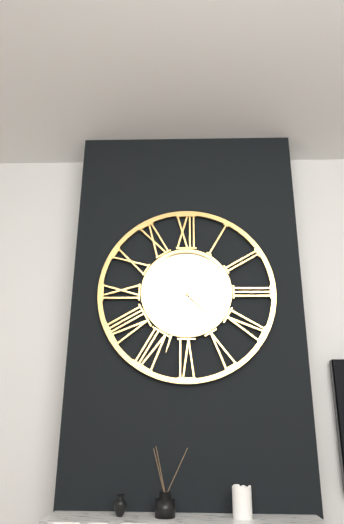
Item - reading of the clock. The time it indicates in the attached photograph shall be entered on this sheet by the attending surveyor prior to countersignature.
4:33
